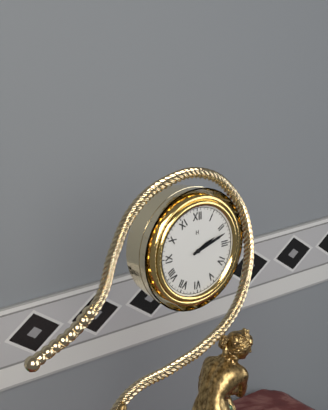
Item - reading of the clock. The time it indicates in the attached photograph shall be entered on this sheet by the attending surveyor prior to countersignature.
2:12
